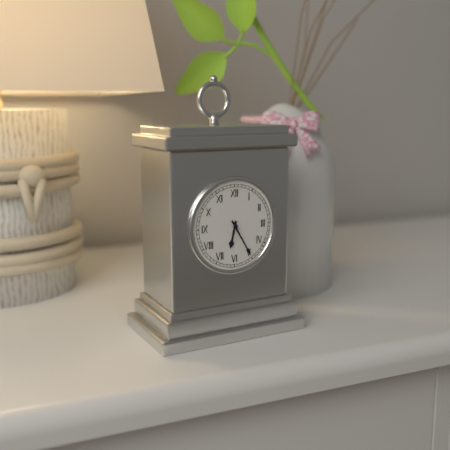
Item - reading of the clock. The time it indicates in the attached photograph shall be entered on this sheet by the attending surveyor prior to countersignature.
6:25
